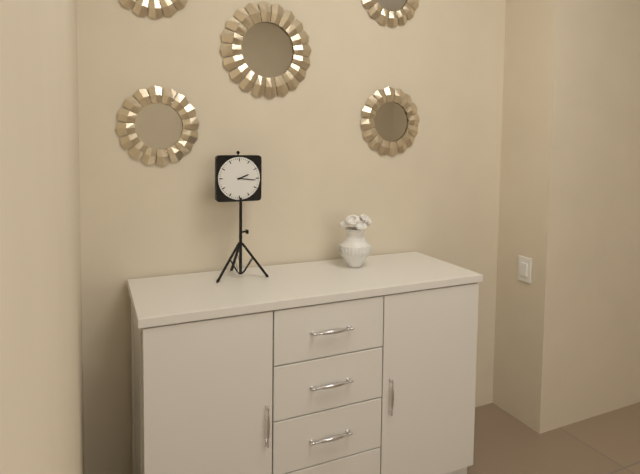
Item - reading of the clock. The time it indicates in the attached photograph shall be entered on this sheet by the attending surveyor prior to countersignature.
2:16
